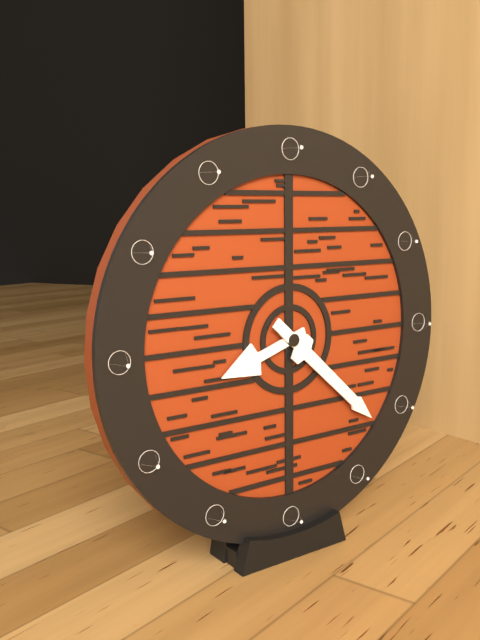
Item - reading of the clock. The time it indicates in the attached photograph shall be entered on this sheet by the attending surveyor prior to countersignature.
8:22
